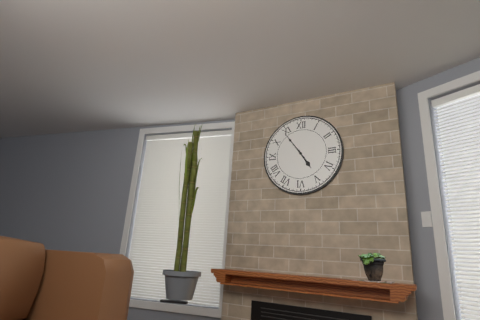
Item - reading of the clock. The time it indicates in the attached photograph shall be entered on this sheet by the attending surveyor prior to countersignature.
4:54
